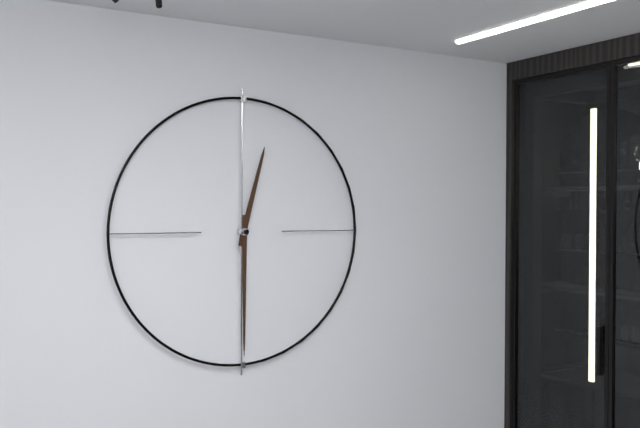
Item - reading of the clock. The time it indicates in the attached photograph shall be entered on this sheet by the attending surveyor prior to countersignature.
12:30
